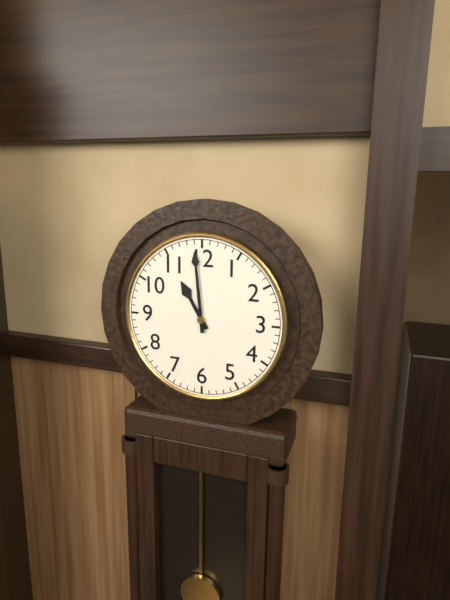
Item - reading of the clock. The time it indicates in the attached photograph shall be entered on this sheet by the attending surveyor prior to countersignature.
10:59
